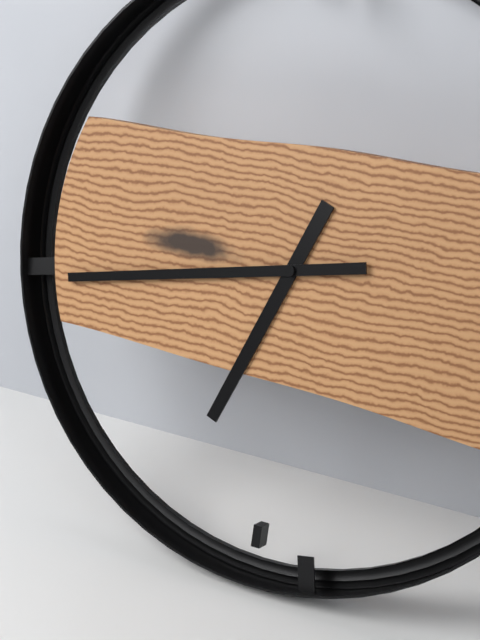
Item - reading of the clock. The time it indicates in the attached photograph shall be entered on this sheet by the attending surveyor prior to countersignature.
6:43
